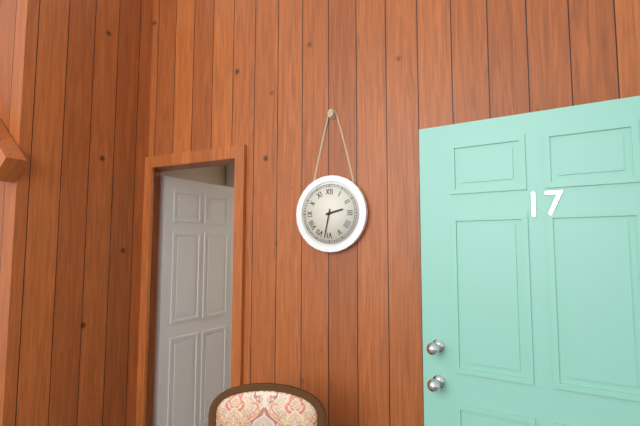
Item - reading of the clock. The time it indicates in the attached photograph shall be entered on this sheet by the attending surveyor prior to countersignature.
2:32
